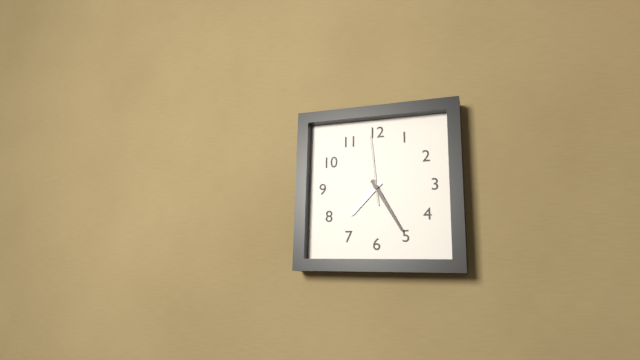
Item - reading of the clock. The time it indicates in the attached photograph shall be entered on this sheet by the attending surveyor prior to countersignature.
7:25:59
